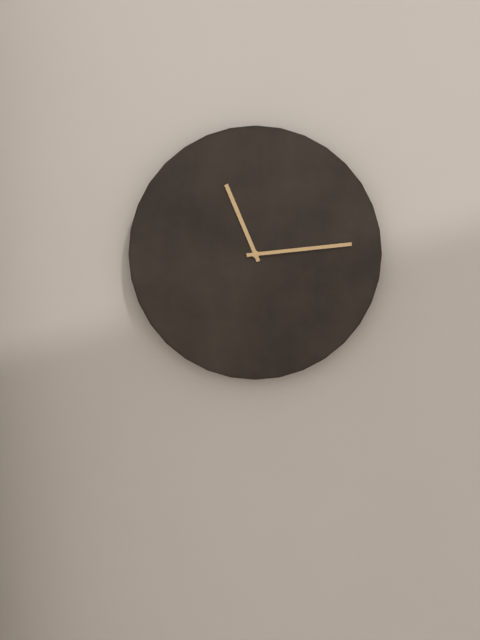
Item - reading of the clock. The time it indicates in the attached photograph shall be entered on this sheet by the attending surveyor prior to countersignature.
11:14
